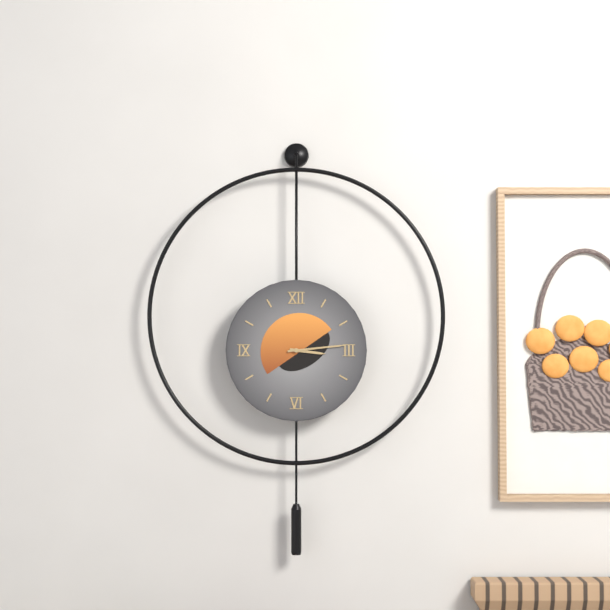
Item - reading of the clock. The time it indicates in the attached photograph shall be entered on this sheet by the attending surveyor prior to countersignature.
3:14
